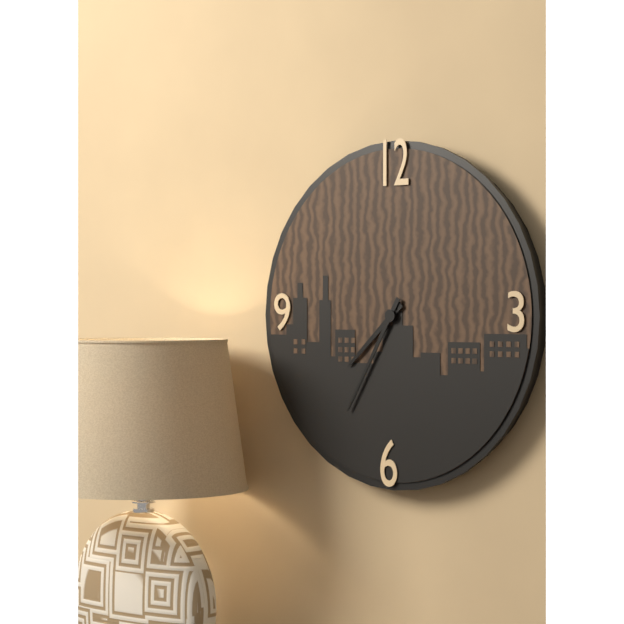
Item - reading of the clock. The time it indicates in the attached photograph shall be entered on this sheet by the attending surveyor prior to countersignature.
7:35
